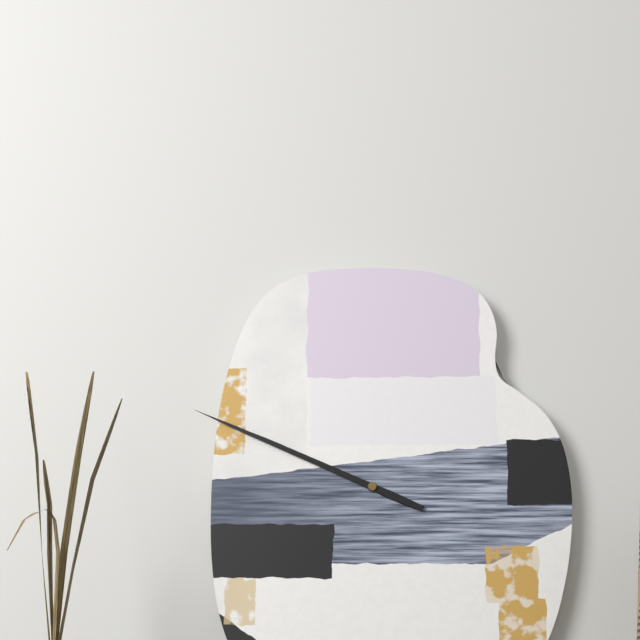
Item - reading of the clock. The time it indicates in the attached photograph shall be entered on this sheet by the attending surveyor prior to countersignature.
9:49
